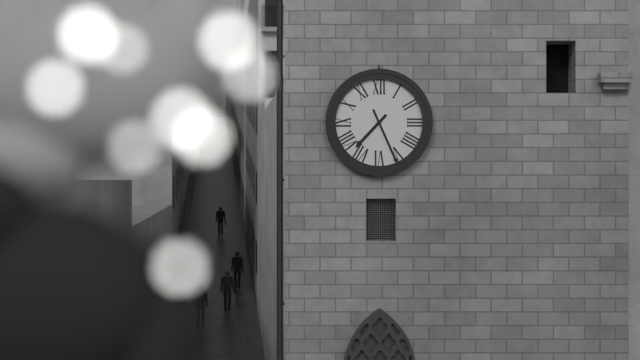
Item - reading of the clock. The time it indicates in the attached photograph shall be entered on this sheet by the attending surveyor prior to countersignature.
7:26
